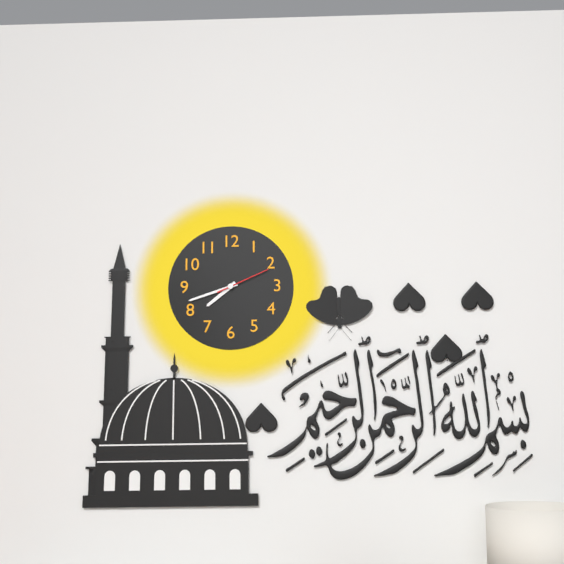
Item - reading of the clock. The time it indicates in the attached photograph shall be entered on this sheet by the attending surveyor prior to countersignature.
7:42:11
